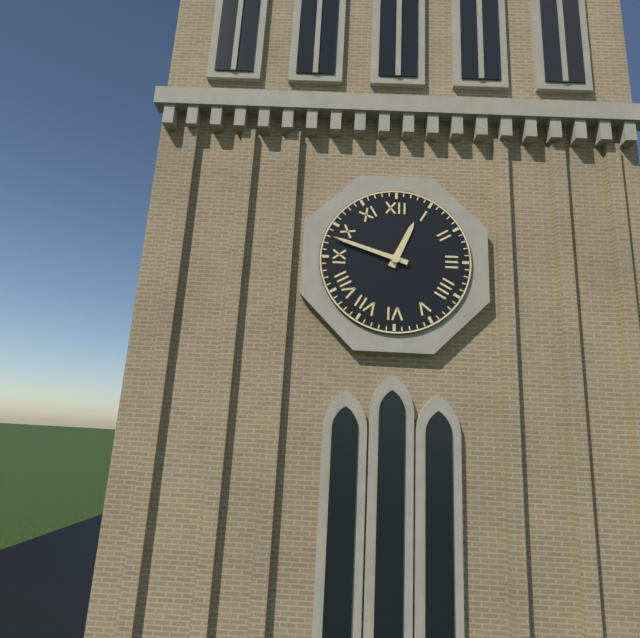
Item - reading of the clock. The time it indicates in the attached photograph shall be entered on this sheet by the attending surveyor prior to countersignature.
12:48
